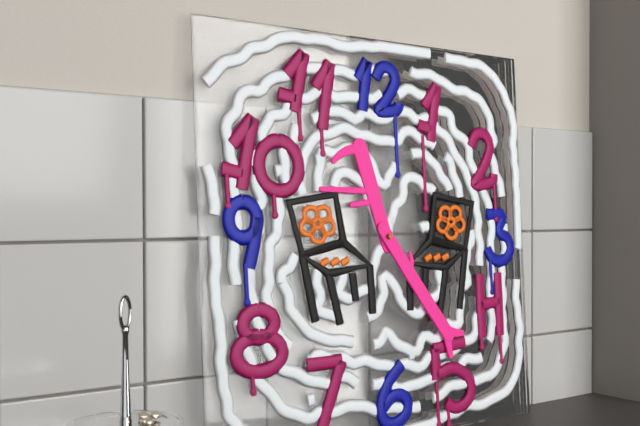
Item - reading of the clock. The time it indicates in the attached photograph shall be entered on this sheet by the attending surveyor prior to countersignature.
11:24
